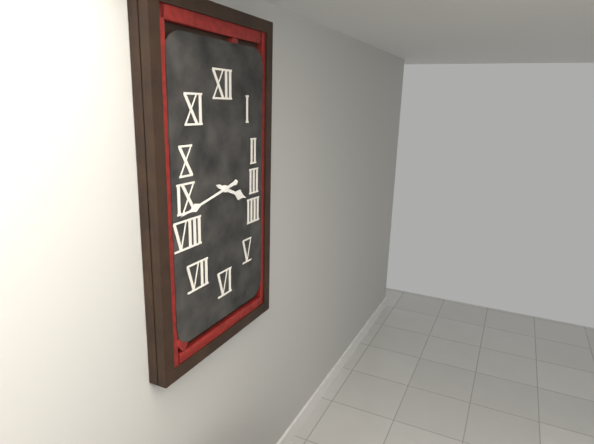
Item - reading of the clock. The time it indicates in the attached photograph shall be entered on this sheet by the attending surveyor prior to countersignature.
3:43
